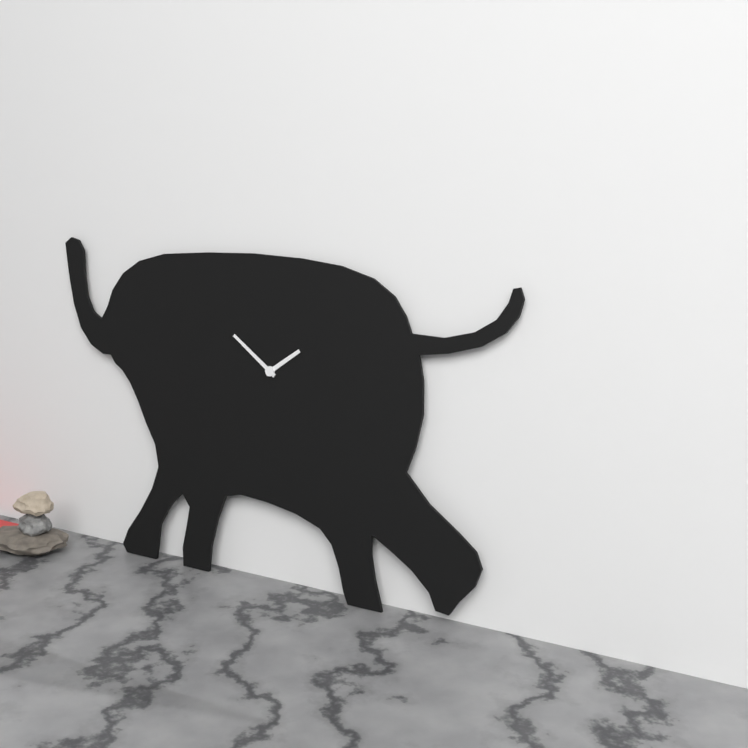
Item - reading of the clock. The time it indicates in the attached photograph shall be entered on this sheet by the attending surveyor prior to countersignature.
1:51
